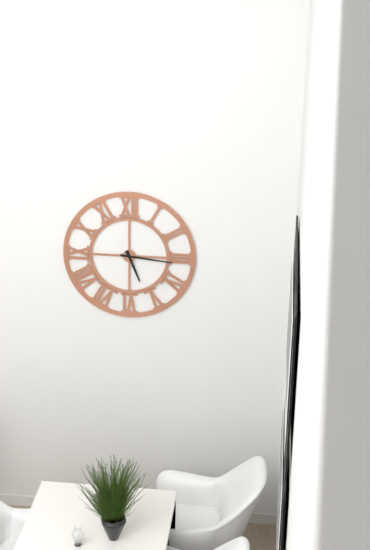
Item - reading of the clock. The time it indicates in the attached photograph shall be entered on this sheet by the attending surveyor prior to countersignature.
5:16
